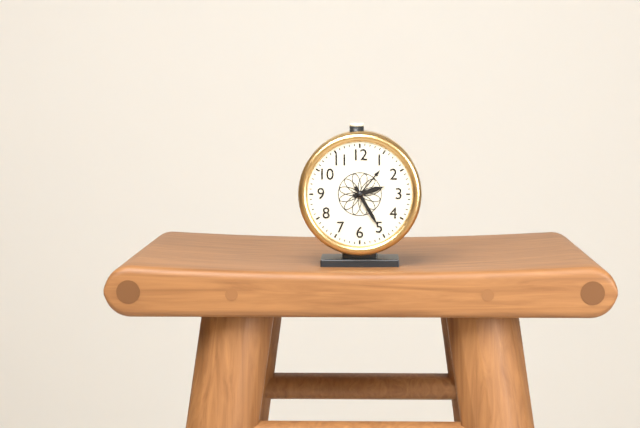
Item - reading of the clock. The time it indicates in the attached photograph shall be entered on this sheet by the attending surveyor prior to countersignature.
2:25
